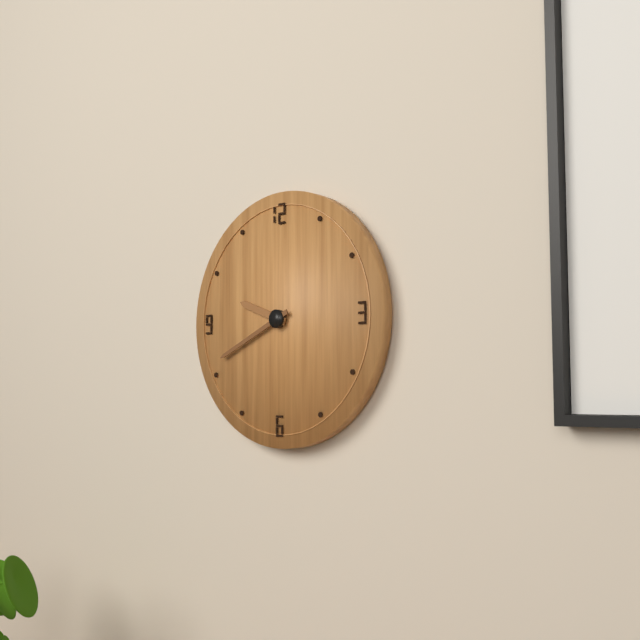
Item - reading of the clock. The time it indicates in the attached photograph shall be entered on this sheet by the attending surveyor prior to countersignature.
9:41
